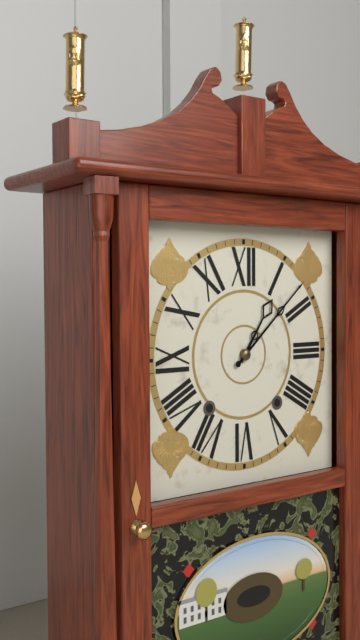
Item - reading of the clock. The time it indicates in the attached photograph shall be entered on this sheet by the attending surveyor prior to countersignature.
1:08
